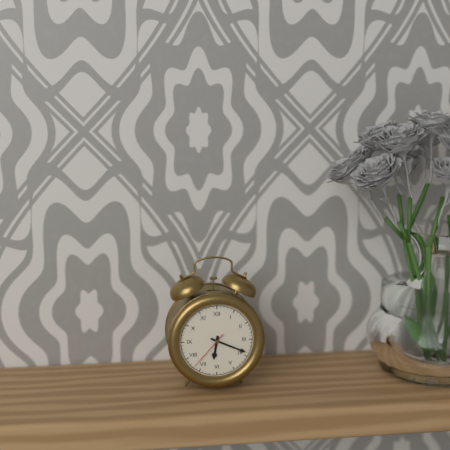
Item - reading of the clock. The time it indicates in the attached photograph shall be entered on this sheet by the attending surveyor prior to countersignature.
6:19
